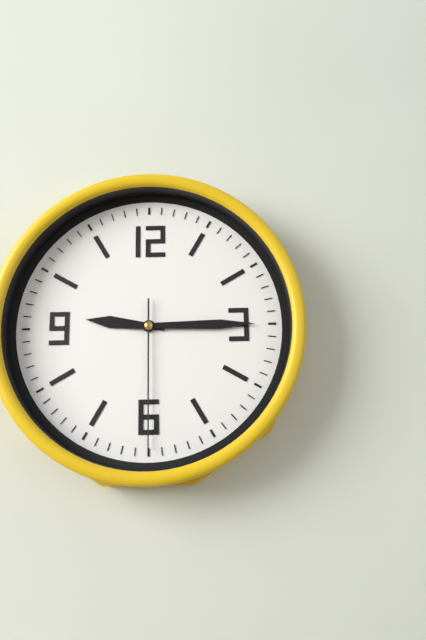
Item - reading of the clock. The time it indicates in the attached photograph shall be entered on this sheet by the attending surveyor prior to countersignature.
9:15:30
